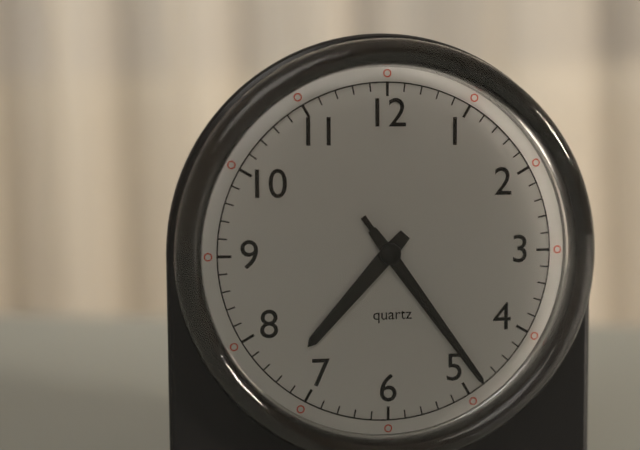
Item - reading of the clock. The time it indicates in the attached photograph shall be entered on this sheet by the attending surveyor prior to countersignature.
7:24:24
